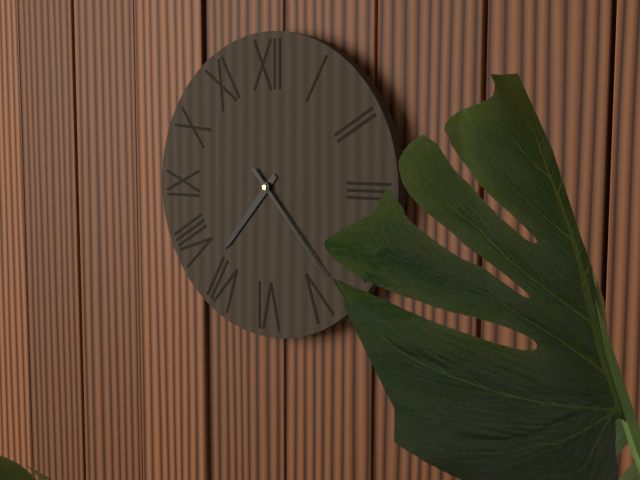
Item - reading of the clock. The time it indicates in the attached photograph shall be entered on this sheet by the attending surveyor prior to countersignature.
7:23
